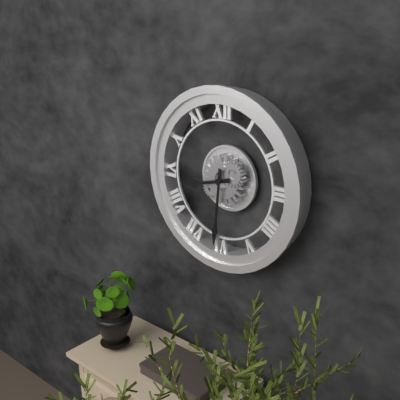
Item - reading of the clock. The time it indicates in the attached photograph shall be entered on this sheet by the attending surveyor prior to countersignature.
8:31
